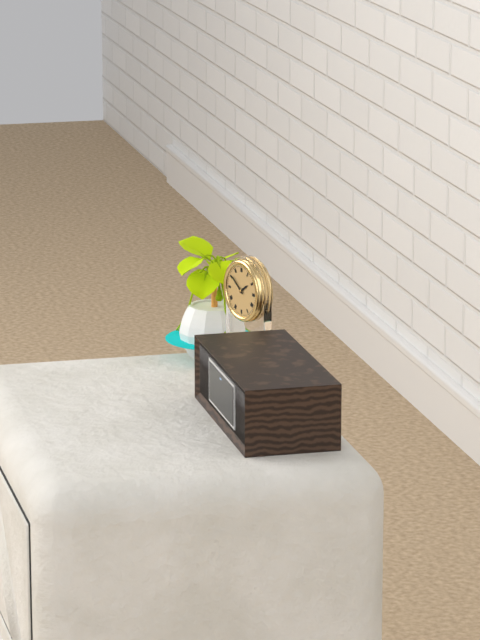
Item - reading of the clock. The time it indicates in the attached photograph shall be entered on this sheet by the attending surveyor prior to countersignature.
1:51
